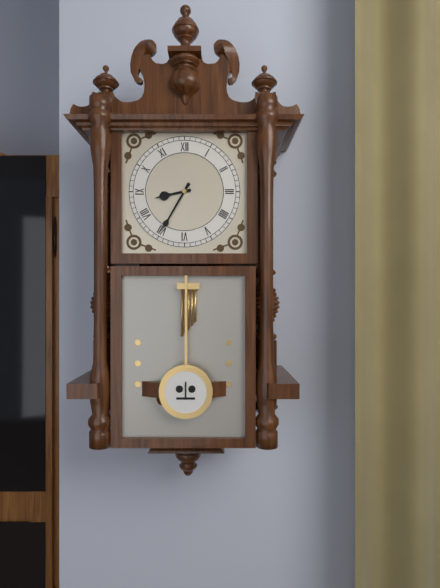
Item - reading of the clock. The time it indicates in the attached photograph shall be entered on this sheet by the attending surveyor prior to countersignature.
8:35
